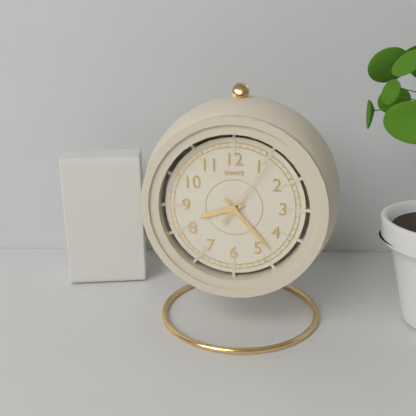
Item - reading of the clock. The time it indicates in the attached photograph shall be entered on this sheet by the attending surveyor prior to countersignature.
8:23:06
